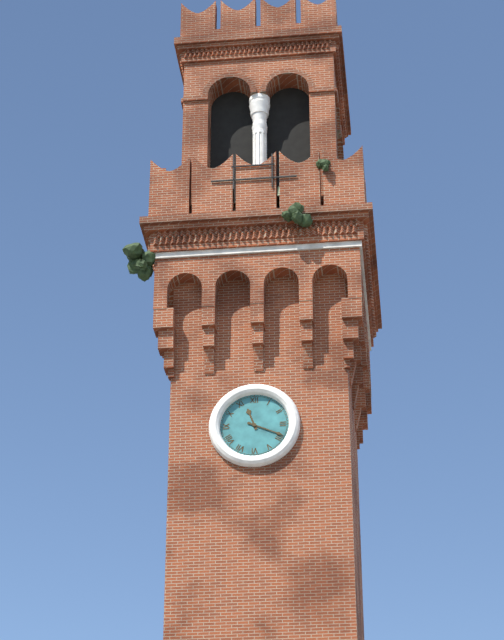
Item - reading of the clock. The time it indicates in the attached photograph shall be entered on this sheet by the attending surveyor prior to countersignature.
11:19
